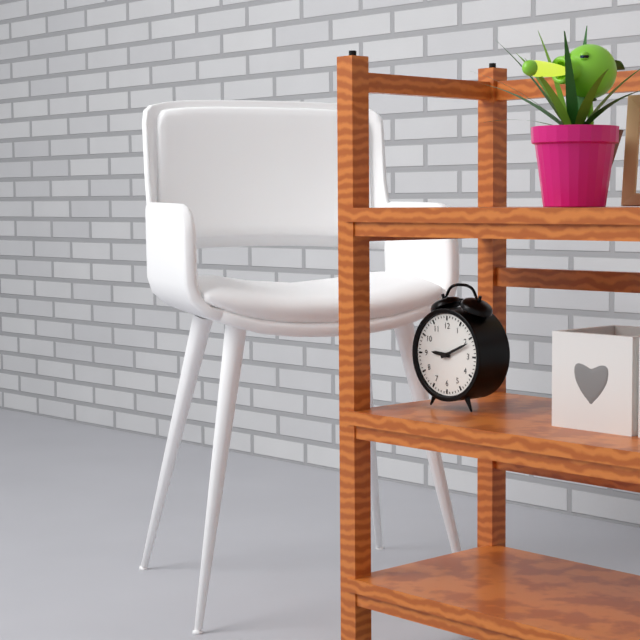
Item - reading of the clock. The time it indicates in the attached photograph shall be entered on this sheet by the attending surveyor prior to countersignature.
9:11
